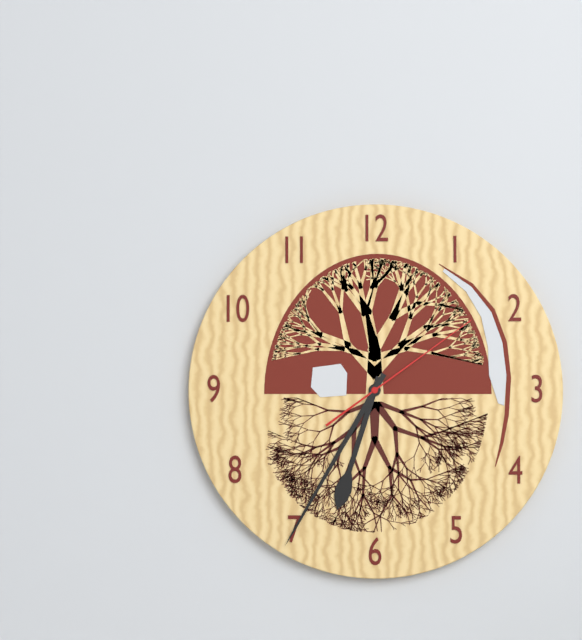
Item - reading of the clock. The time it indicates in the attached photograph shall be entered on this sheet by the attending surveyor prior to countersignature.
6:35:09
